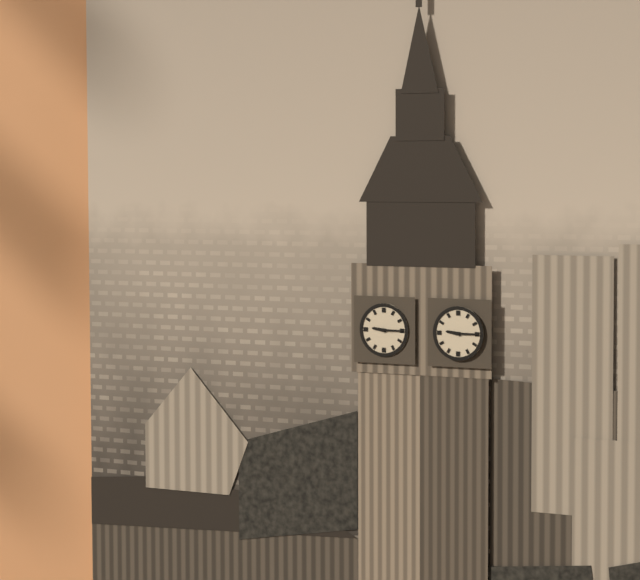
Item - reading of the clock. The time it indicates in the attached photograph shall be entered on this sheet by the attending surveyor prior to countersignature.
9:15
